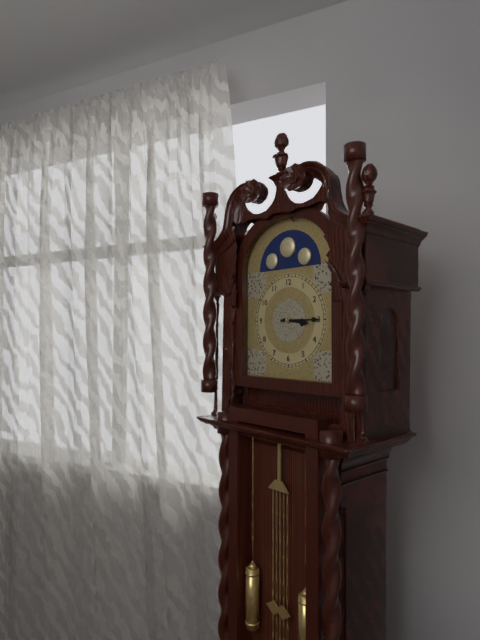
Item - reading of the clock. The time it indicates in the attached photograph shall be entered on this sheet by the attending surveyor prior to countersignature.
3:15
